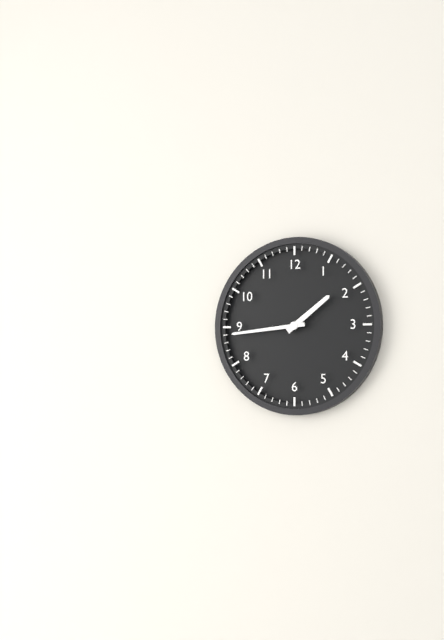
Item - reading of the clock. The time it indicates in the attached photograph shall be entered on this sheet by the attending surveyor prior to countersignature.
1:44
